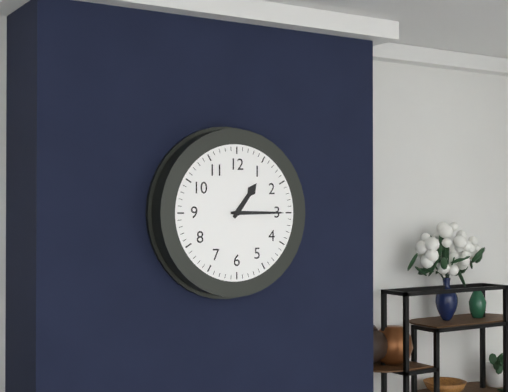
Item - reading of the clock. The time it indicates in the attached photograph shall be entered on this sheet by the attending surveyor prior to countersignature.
1:15
